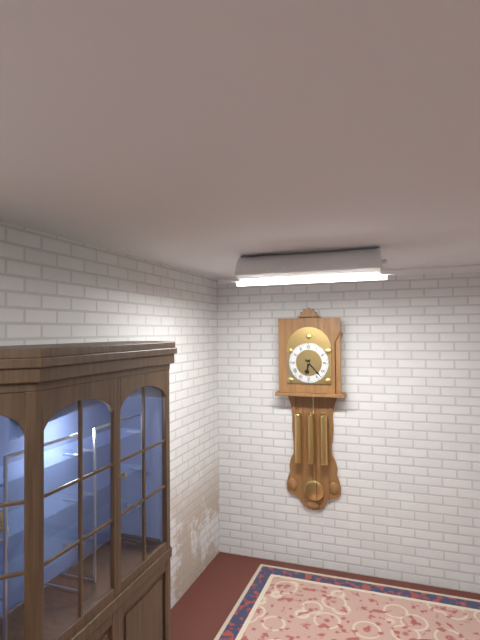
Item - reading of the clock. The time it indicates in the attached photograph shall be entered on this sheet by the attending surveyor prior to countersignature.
6:23
